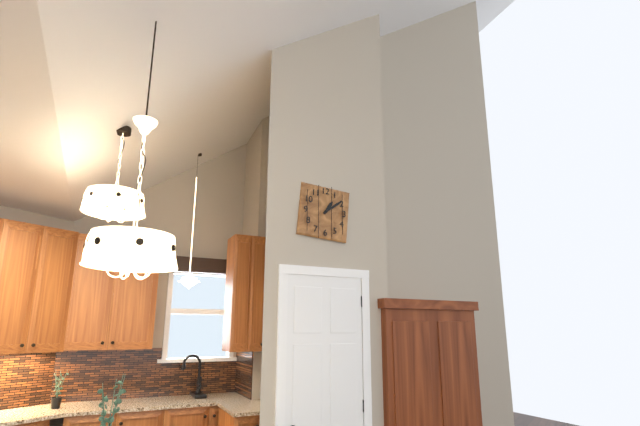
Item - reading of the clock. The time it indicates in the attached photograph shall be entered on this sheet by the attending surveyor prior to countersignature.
1:09
